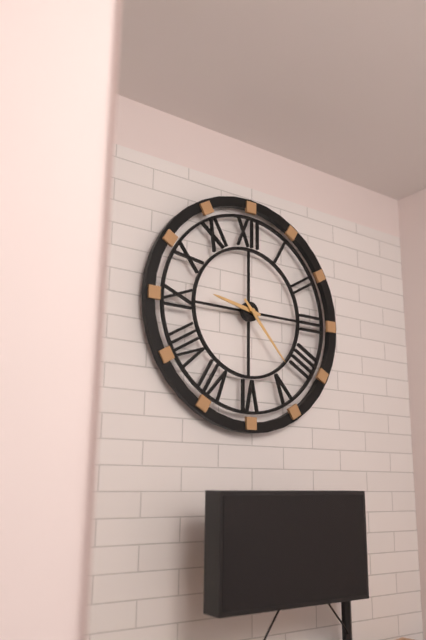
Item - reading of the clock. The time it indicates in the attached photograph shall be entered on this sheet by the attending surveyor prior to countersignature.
9:23
